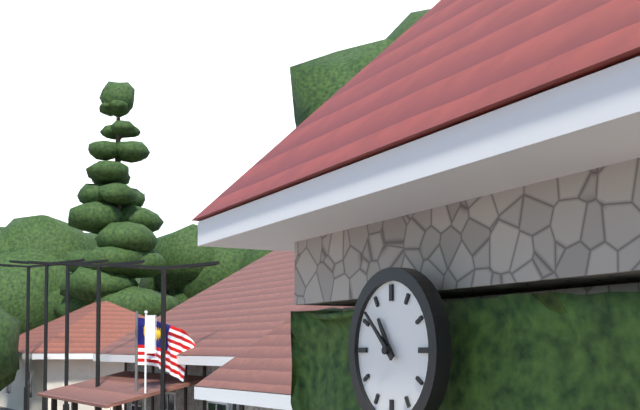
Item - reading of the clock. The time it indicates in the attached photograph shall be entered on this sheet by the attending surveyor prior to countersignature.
10:52
